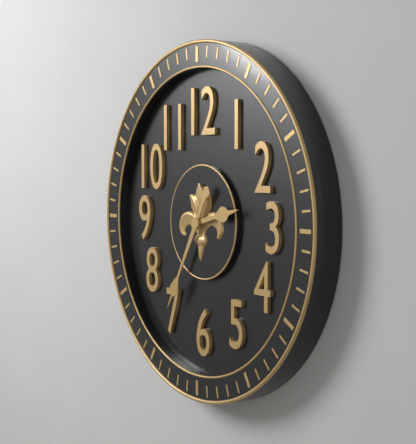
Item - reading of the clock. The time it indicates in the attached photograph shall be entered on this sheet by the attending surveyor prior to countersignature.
2:35
